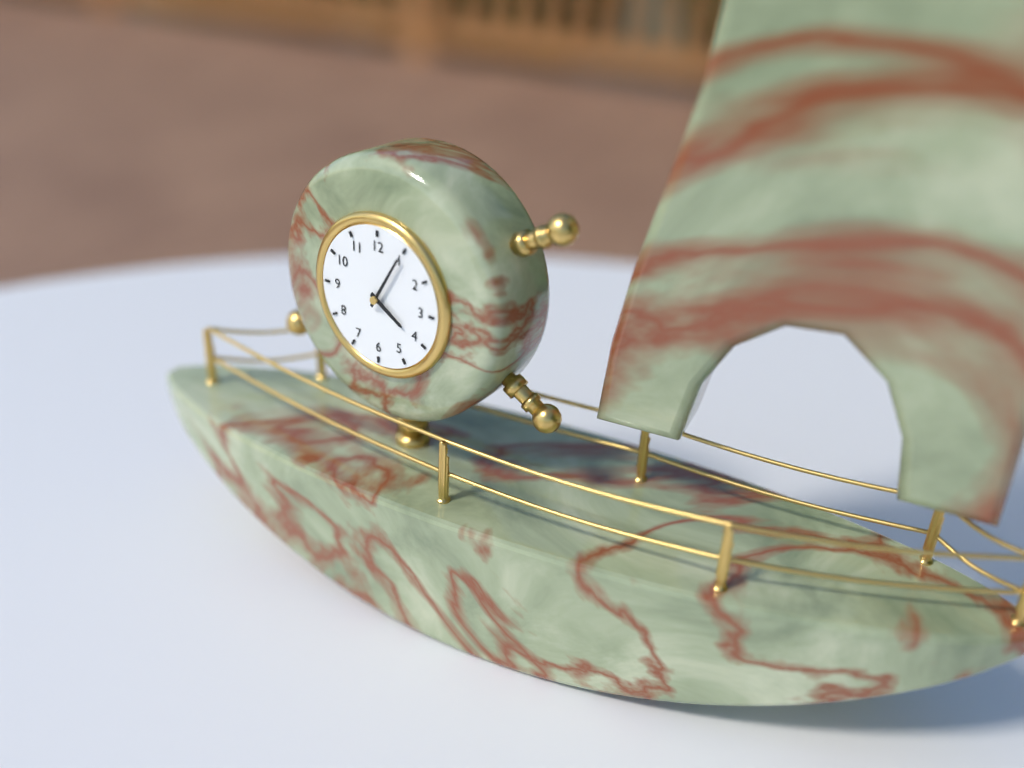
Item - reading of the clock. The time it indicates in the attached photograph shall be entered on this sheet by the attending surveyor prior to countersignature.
4:05
